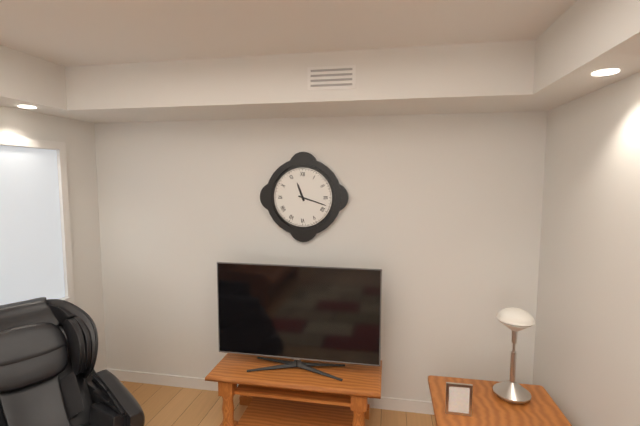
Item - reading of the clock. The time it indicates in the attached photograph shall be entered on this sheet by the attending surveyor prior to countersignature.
11:18
